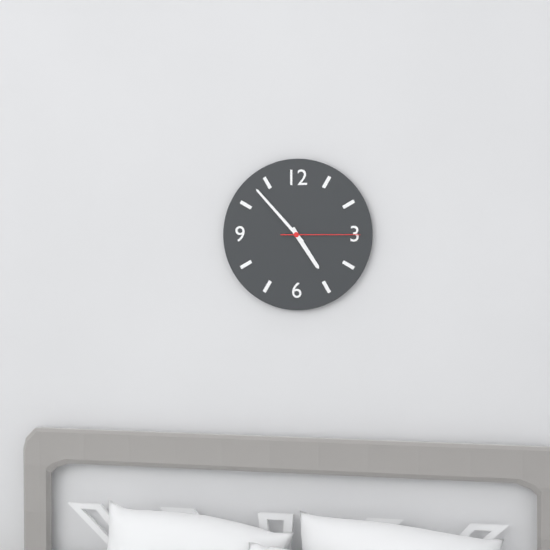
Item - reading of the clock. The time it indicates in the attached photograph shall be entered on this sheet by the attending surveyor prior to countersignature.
4:53:15
